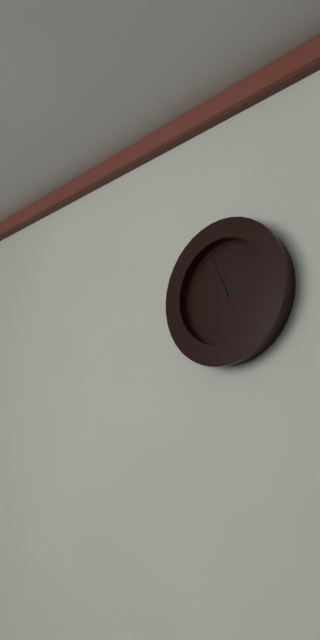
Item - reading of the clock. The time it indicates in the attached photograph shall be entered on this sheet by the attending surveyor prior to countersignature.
2:56
